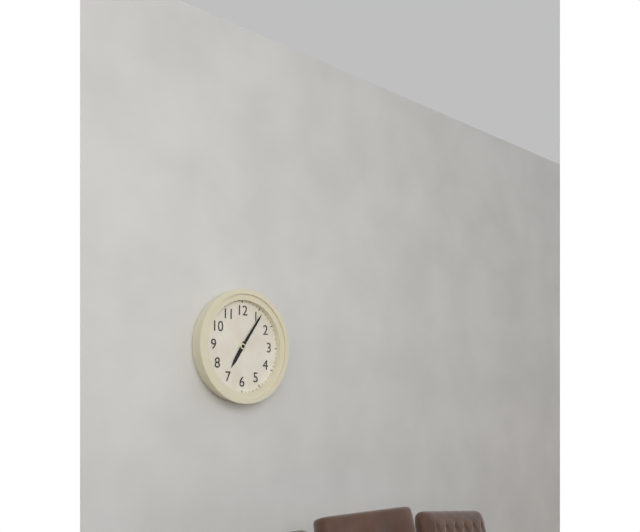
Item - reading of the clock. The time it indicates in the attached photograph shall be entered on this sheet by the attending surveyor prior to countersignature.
7:06
